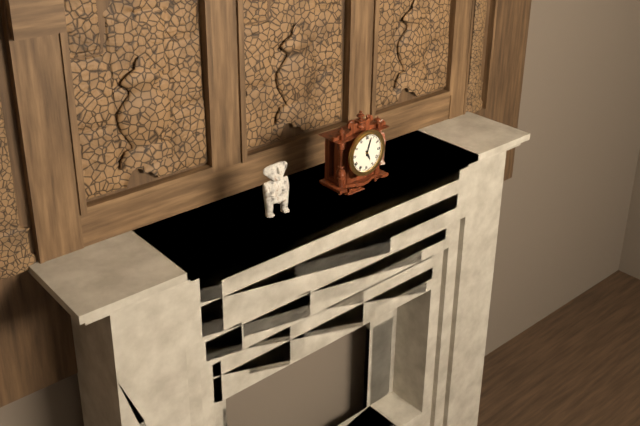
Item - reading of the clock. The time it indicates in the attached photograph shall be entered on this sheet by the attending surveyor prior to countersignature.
5:03
